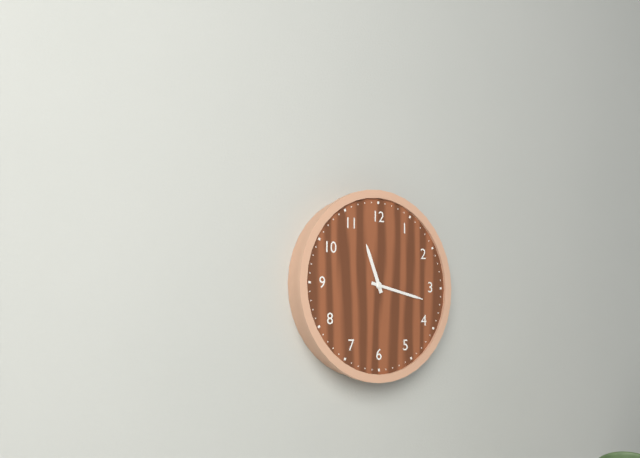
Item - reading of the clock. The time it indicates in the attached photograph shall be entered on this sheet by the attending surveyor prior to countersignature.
11:17
